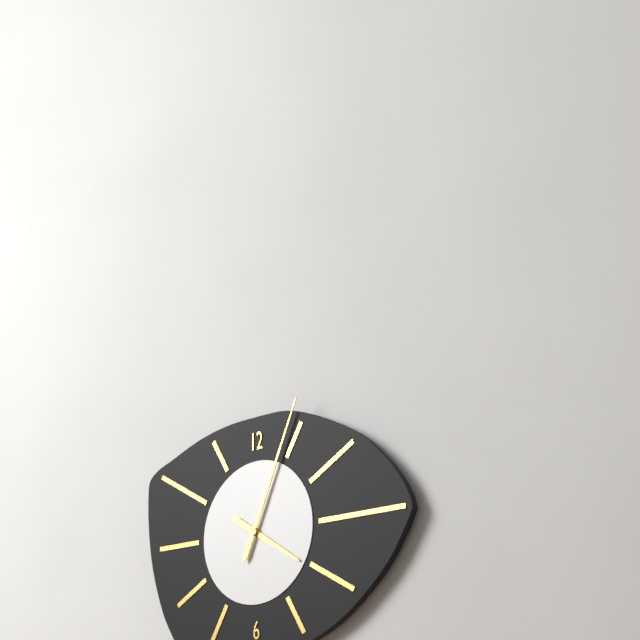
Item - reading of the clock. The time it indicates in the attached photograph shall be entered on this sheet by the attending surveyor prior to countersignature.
4:04
